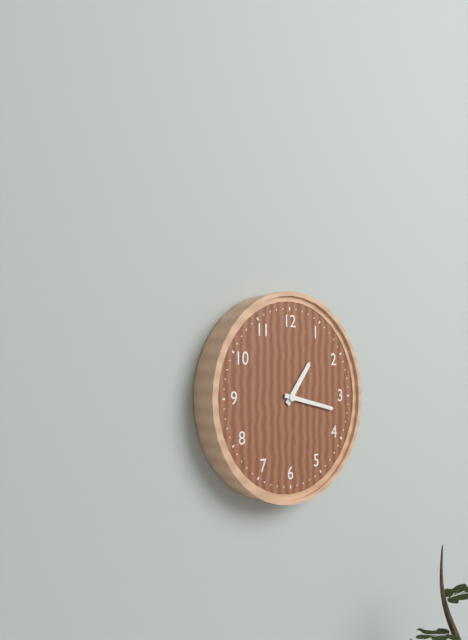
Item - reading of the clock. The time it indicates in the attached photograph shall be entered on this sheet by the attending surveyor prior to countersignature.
1:17
